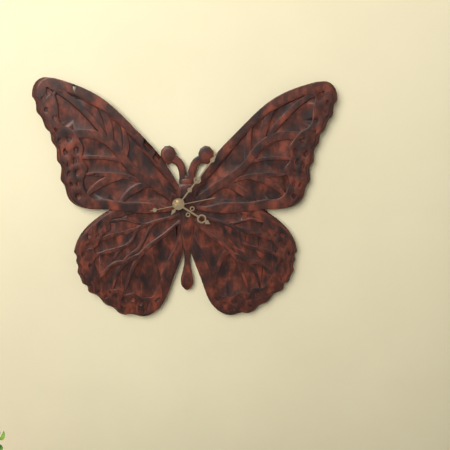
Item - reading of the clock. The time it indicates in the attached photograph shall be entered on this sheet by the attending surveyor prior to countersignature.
4:06
